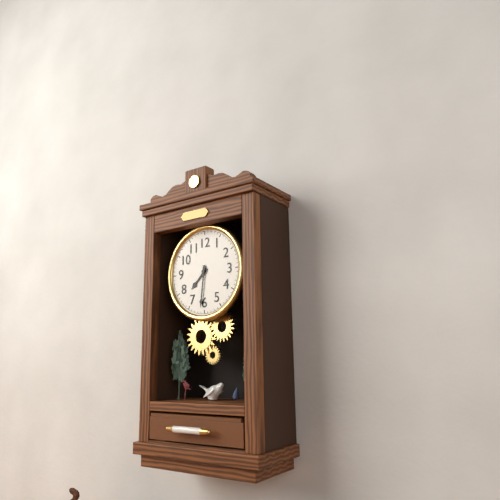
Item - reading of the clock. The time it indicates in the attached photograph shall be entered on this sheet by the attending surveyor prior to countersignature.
7:31
